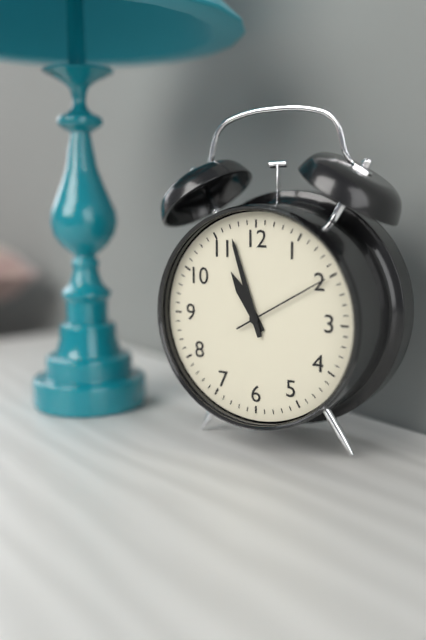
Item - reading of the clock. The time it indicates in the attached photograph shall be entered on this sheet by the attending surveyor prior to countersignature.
10:57:10
